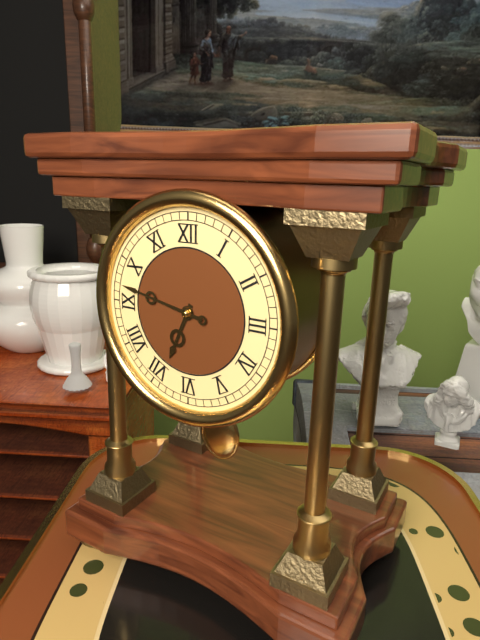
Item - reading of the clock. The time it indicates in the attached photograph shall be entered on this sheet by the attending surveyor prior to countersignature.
6:47
